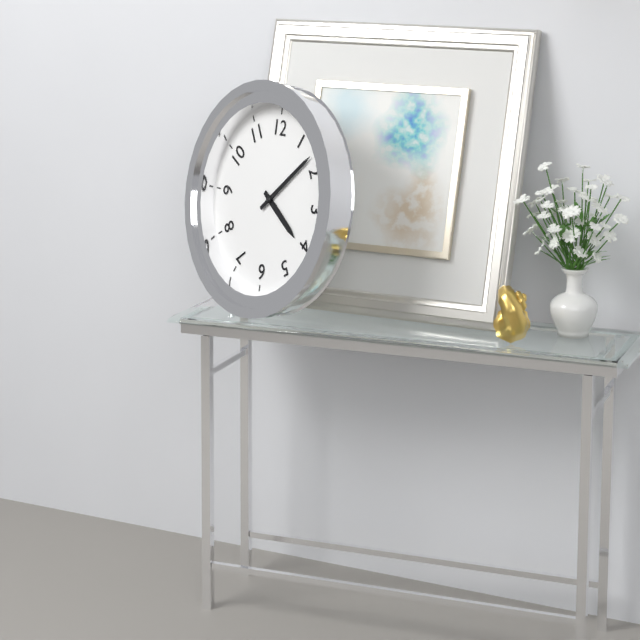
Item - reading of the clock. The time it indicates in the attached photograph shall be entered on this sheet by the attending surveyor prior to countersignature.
4:08
